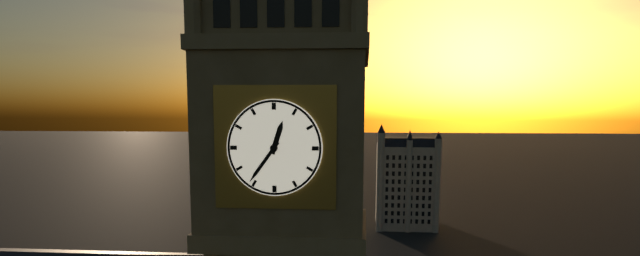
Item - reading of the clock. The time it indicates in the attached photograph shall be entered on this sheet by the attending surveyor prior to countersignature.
12:36
